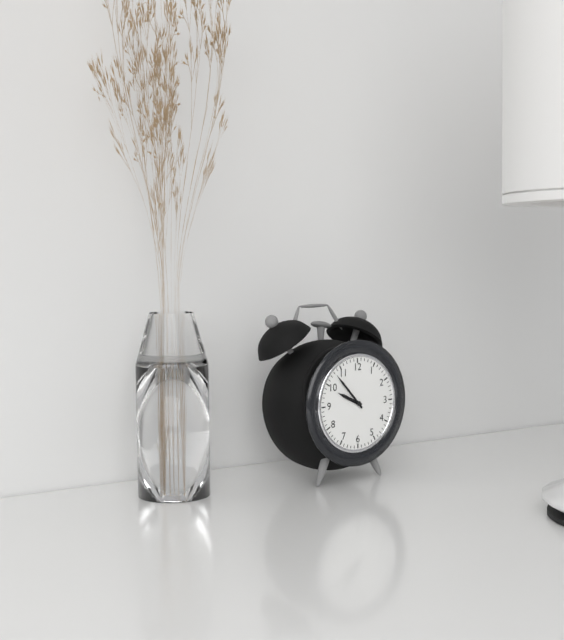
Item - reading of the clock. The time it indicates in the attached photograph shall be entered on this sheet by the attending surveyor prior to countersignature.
9:53
